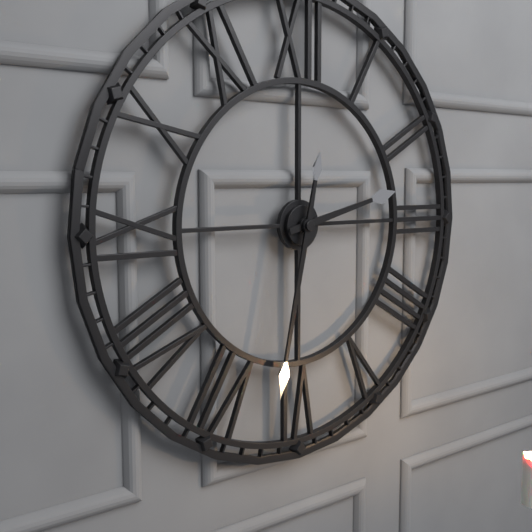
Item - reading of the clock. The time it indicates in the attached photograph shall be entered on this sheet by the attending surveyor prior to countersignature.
2:32
